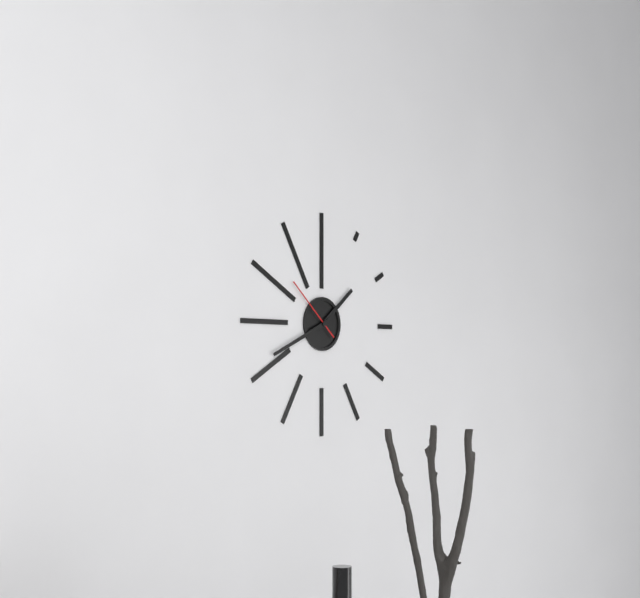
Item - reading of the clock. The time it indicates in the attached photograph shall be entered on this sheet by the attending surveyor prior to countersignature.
1:41:52
